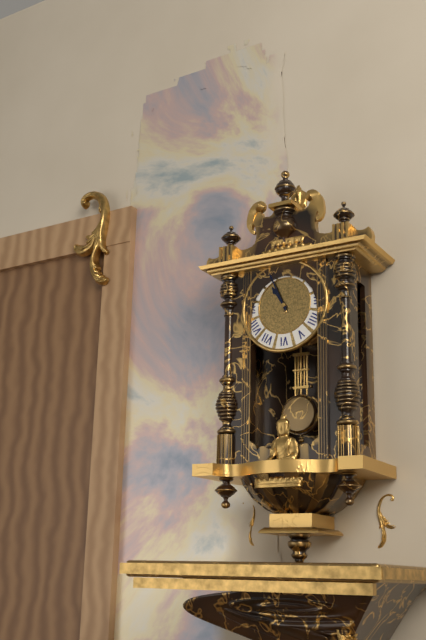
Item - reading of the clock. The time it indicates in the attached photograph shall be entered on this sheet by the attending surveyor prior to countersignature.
10:56
